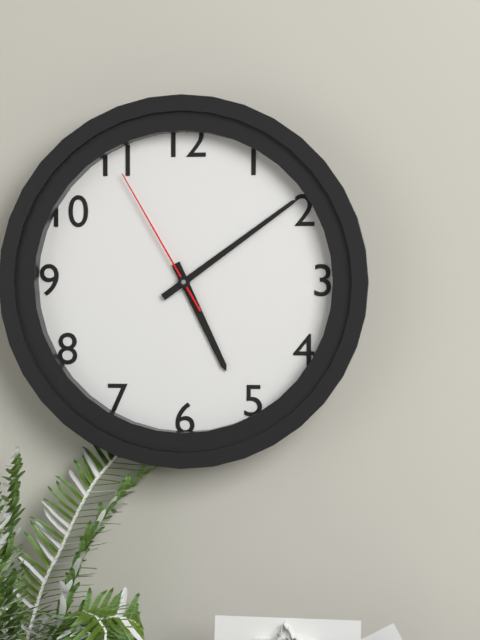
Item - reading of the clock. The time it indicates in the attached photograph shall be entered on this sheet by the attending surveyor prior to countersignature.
5:09:55
